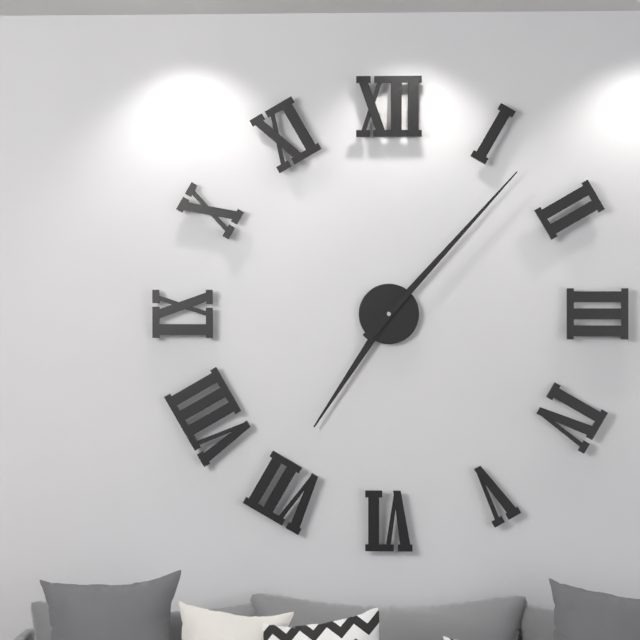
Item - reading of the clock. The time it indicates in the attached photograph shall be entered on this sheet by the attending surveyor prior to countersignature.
7:07
